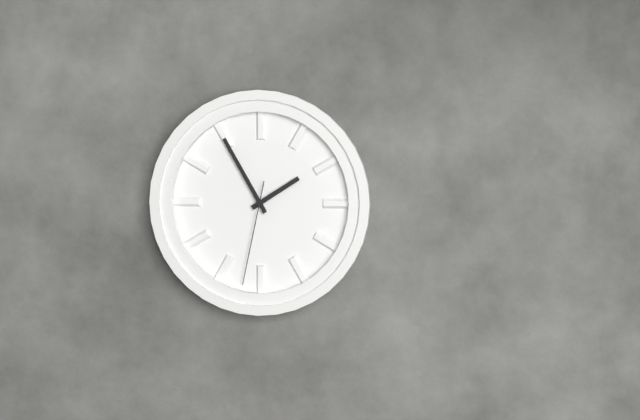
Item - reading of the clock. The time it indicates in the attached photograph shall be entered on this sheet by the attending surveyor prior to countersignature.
1:55:32
